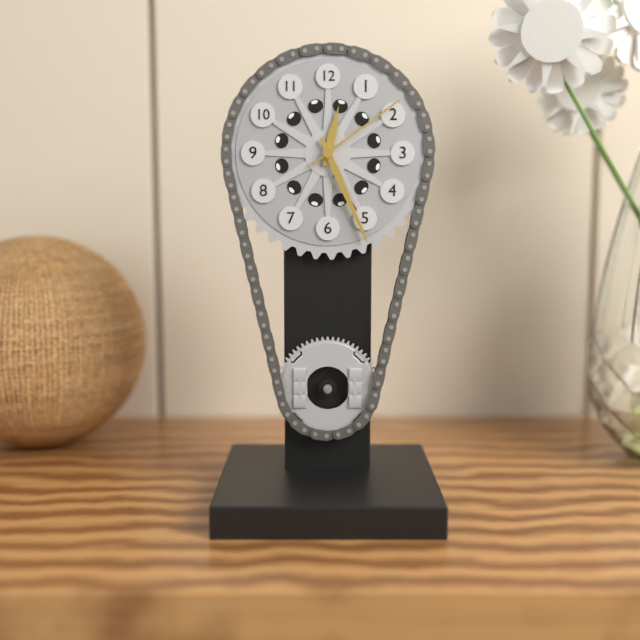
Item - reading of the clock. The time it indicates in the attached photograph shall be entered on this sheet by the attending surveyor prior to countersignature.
12:26:09
